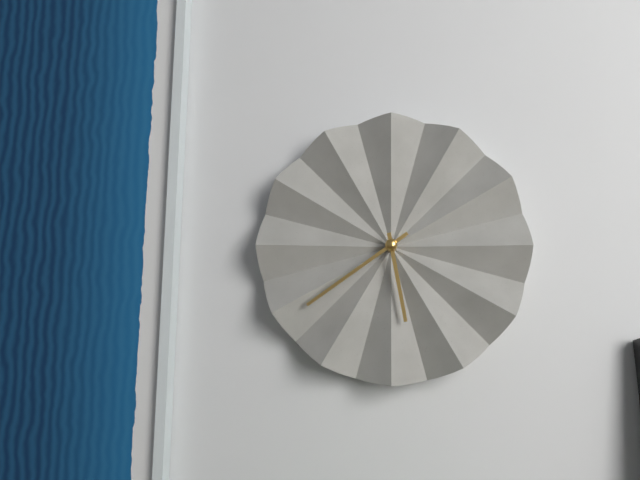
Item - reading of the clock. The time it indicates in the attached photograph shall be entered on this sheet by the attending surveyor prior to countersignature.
5:39
